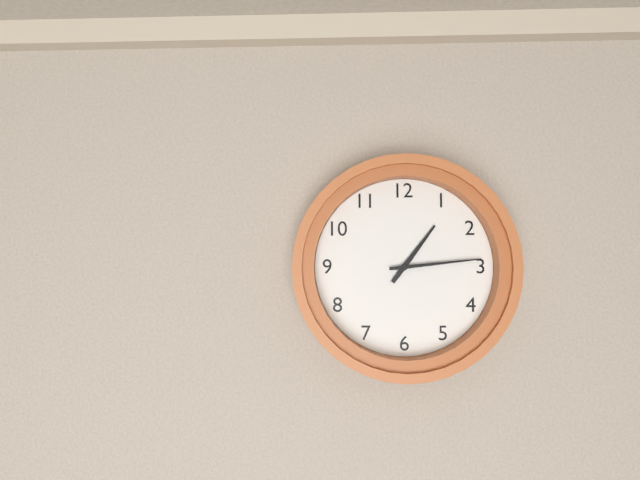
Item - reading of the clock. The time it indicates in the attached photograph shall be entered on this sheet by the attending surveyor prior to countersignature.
1:14
